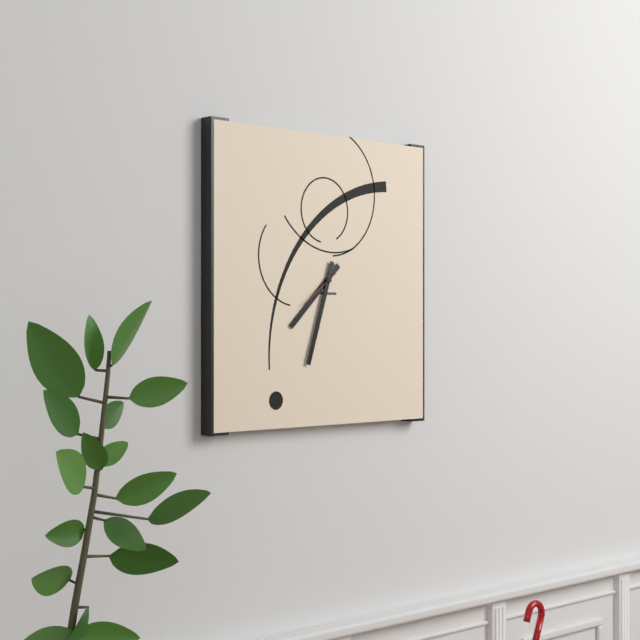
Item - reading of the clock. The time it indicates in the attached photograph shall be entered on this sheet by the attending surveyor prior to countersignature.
7:33
